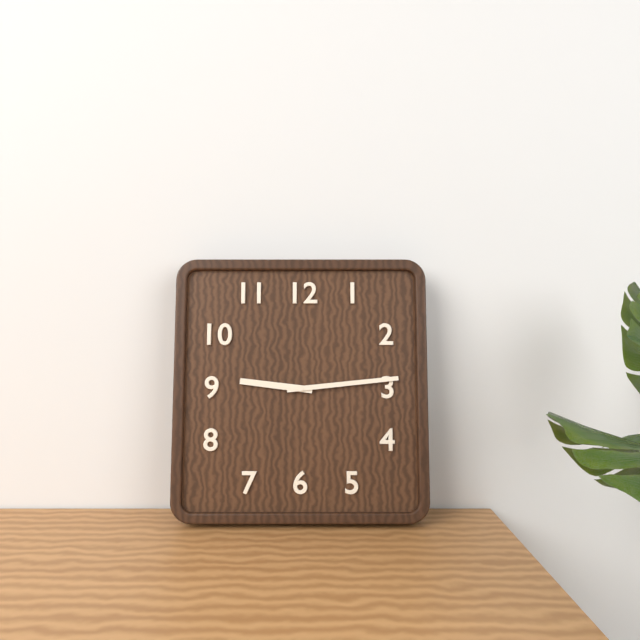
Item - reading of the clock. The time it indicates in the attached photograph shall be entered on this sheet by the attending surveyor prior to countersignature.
9:14
